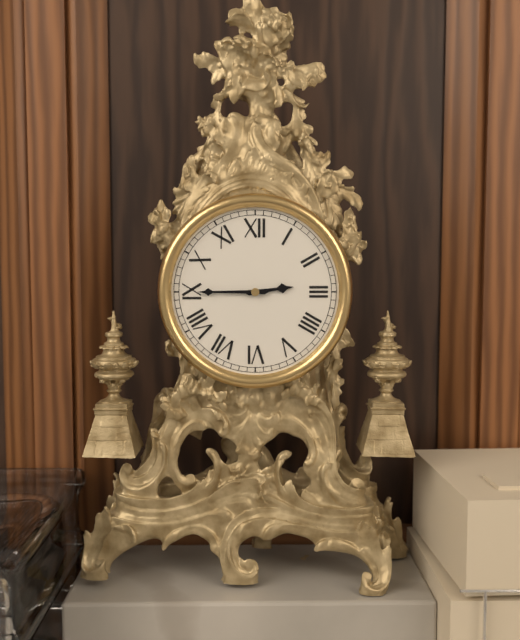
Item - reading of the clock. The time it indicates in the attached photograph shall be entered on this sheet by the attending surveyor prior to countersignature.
2:45
